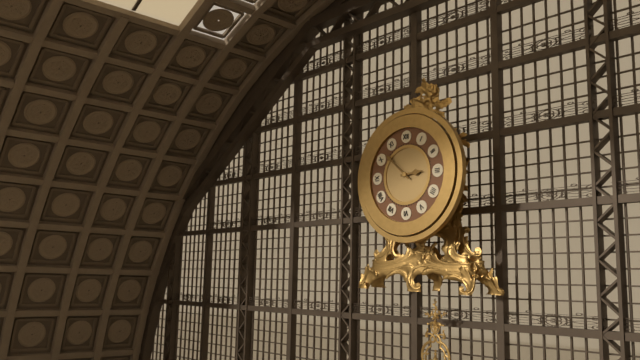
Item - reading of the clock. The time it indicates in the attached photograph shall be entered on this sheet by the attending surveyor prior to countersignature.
2:52
